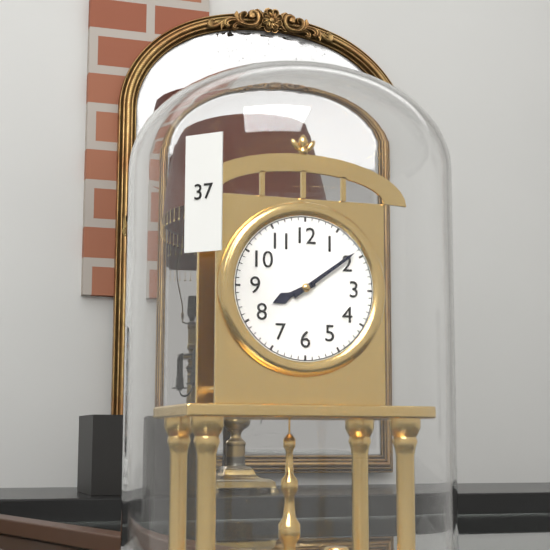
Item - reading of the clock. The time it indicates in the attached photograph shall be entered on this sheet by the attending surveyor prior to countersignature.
8:09
